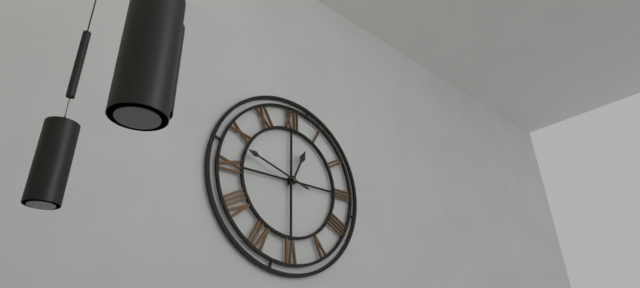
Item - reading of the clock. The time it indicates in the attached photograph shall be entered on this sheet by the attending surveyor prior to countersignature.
12:48
